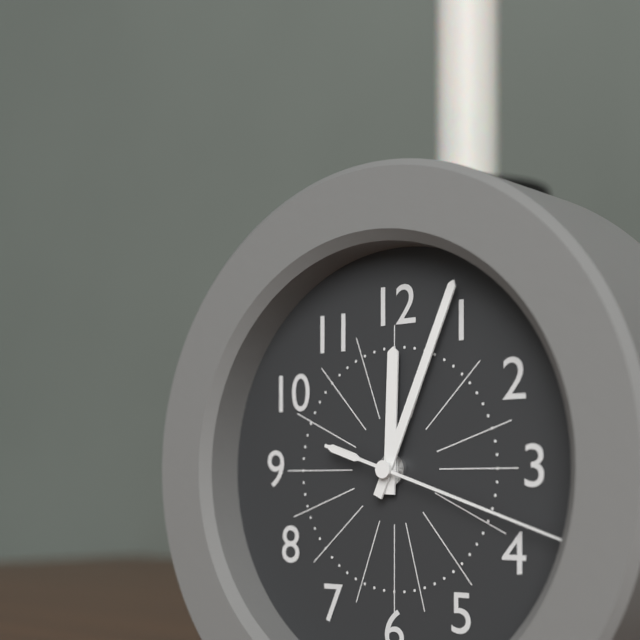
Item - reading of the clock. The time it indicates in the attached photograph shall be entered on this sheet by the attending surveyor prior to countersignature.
12:04:18
